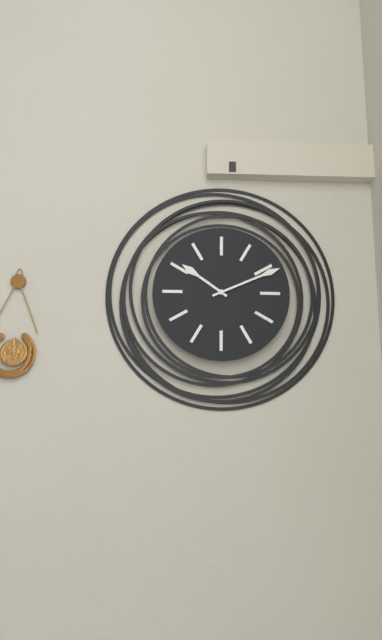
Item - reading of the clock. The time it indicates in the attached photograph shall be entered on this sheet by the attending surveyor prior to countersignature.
10:11
